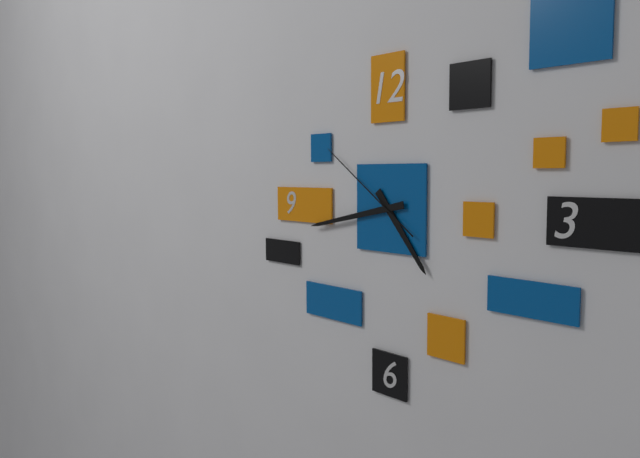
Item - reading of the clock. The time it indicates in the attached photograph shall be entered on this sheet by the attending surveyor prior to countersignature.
4:43:51
